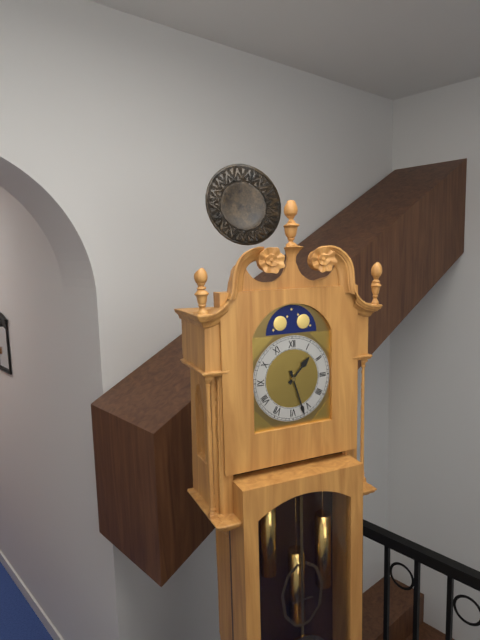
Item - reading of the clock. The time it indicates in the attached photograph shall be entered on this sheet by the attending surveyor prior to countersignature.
1:27
